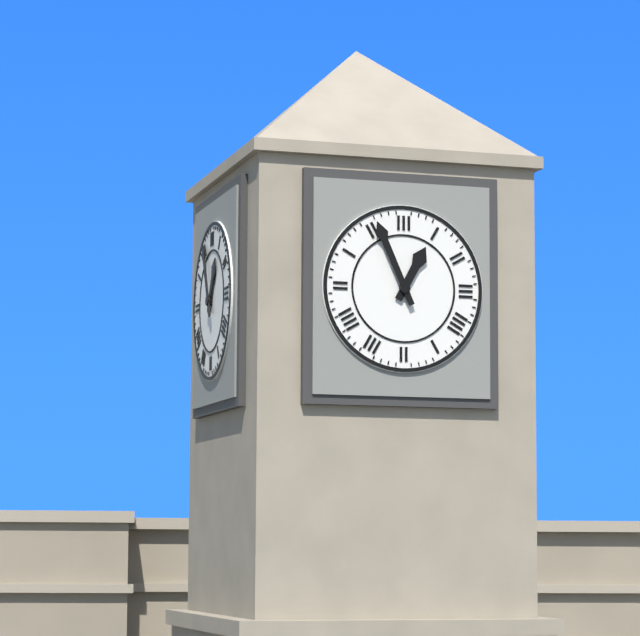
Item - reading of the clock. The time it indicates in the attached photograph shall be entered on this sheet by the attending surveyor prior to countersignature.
12:56
